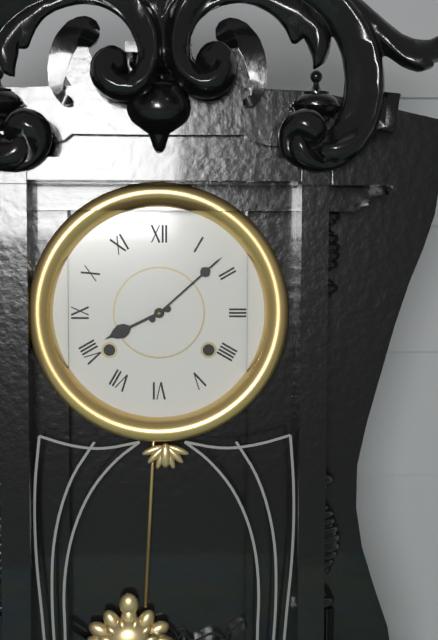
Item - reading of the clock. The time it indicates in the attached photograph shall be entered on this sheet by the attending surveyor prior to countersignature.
8:08
